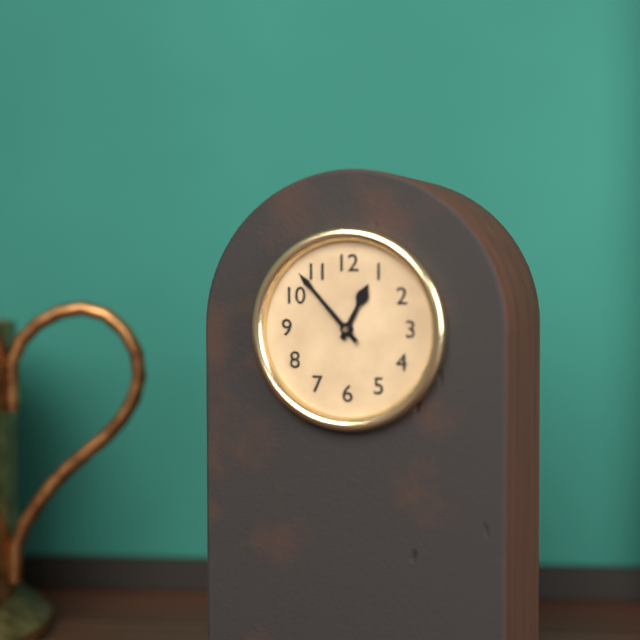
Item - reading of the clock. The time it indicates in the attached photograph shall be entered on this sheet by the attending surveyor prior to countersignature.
12:53
